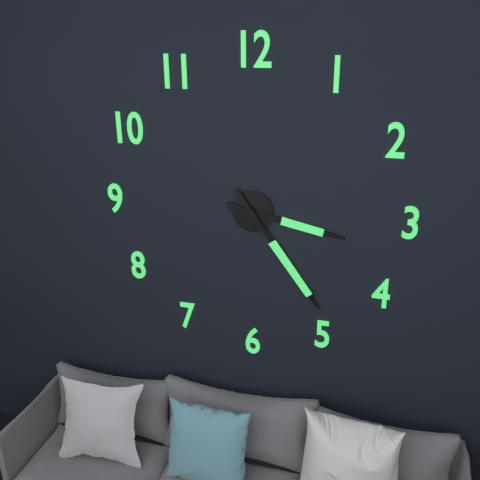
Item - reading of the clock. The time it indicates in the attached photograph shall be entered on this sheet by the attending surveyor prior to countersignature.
3:24
